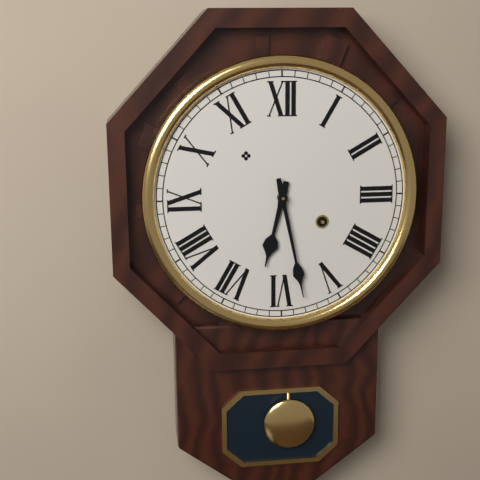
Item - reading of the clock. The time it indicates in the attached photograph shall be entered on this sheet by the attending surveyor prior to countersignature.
6:28
